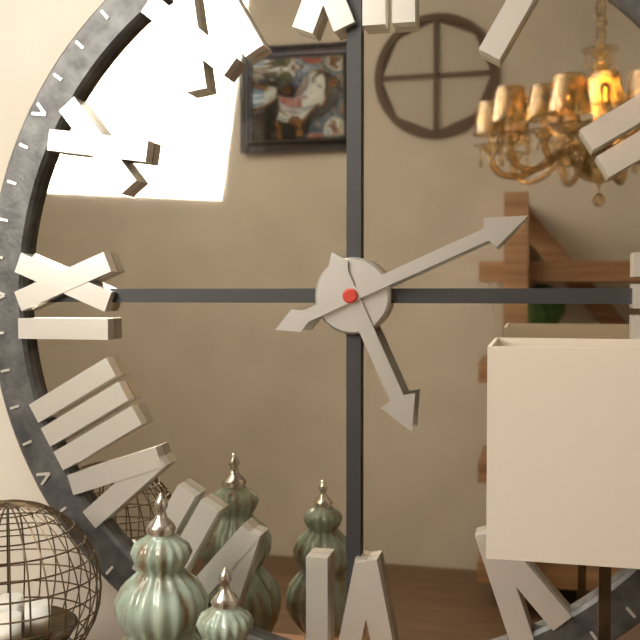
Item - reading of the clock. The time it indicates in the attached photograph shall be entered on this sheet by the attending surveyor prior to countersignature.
5:11
